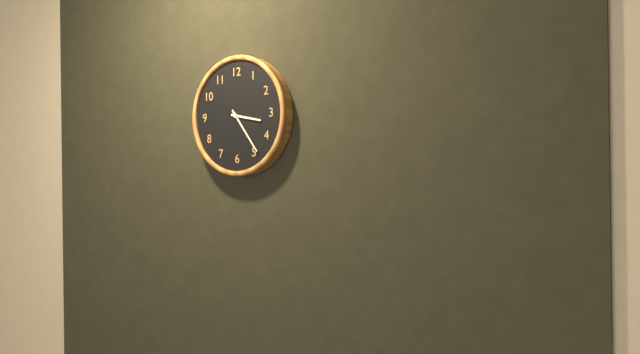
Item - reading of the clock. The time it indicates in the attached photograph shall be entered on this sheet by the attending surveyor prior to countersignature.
3:24
